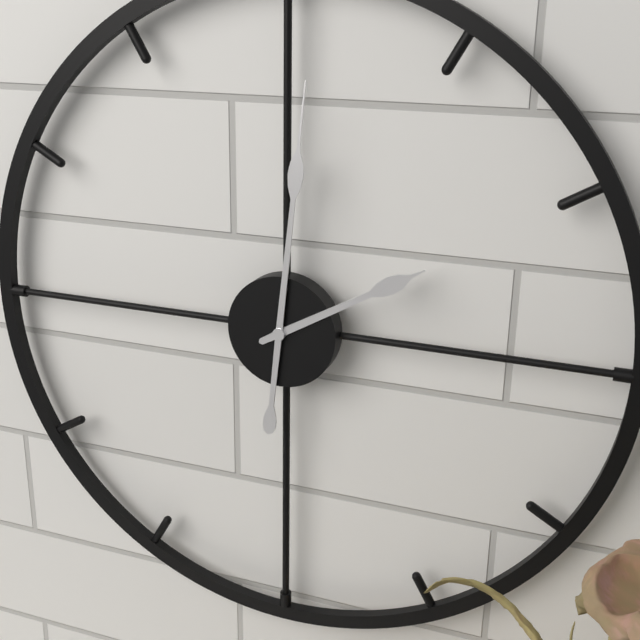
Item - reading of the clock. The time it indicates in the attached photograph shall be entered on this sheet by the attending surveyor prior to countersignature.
2:01
